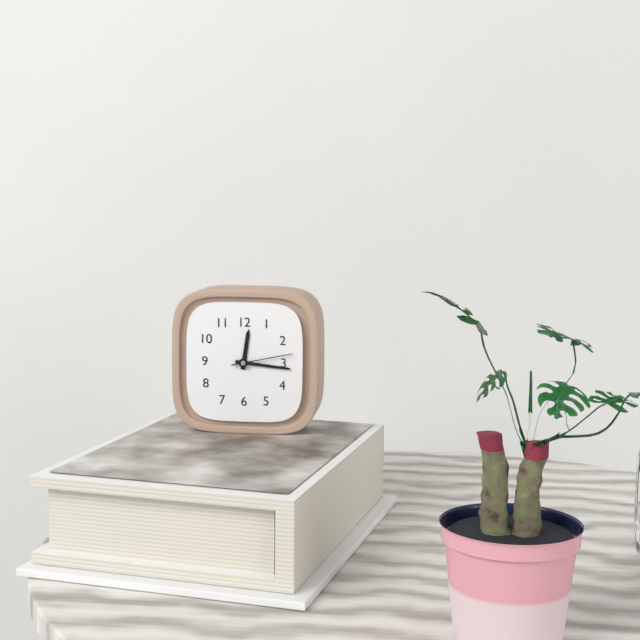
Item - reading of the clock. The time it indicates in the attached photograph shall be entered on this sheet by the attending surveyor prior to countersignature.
12:16:13
